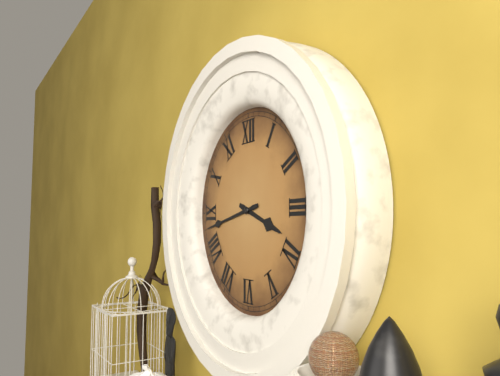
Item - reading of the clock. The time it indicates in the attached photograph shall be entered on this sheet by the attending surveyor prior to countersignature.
3:43
